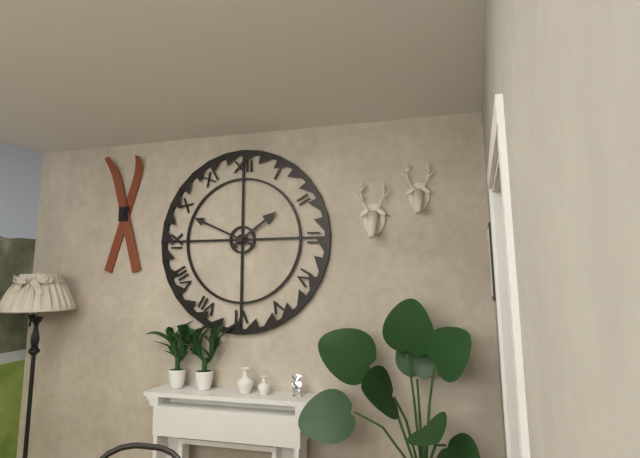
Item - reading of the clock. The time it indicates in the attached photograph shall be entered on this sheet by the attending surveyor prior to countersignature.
1:49
